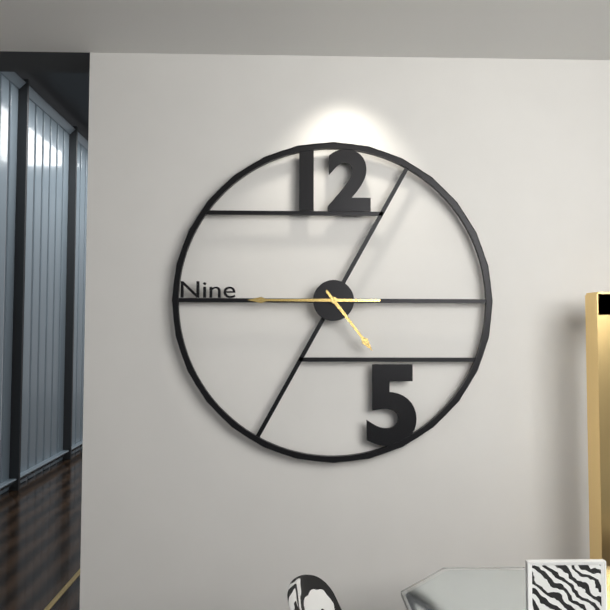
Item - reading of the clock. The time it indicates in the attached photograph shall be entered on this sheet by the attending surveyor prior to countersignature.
4:45
